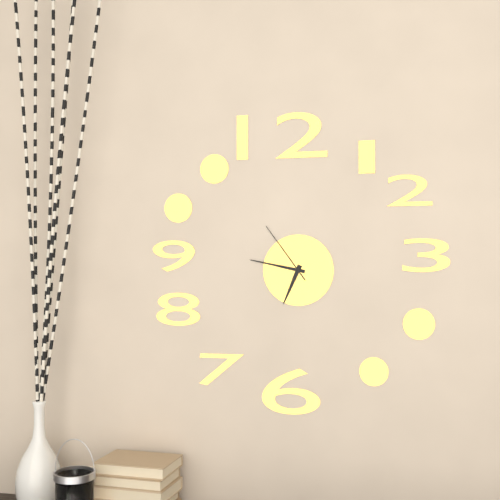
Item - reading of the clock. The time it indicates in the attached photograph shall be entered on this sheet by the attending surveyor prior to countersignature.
6:47:54
